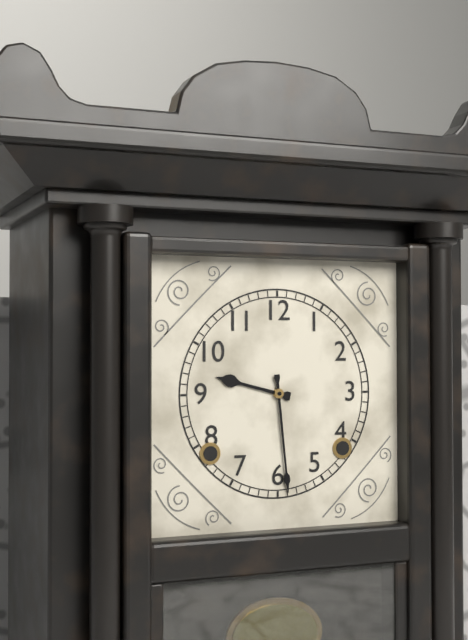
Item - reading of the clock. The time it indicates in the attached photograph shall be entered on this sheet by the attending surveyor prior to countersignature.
9:29
